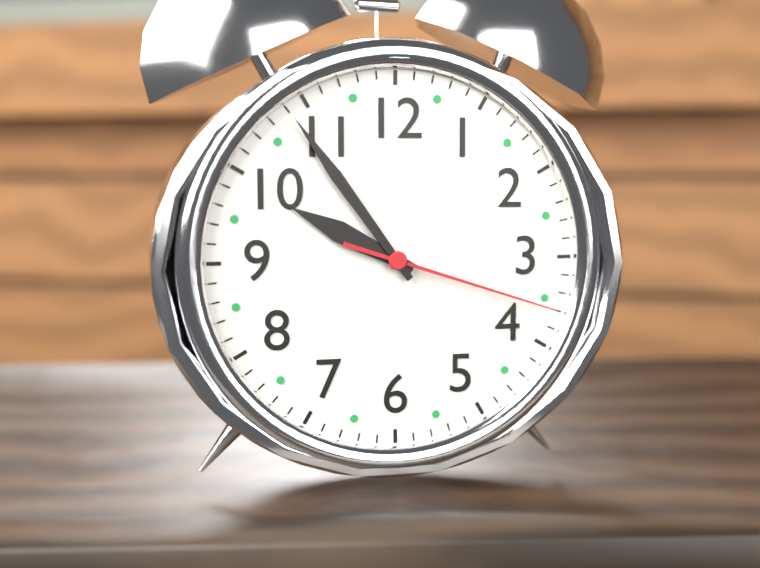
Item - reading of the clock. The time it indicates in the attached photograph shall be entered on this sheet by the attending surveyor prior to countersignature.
9:54:18
